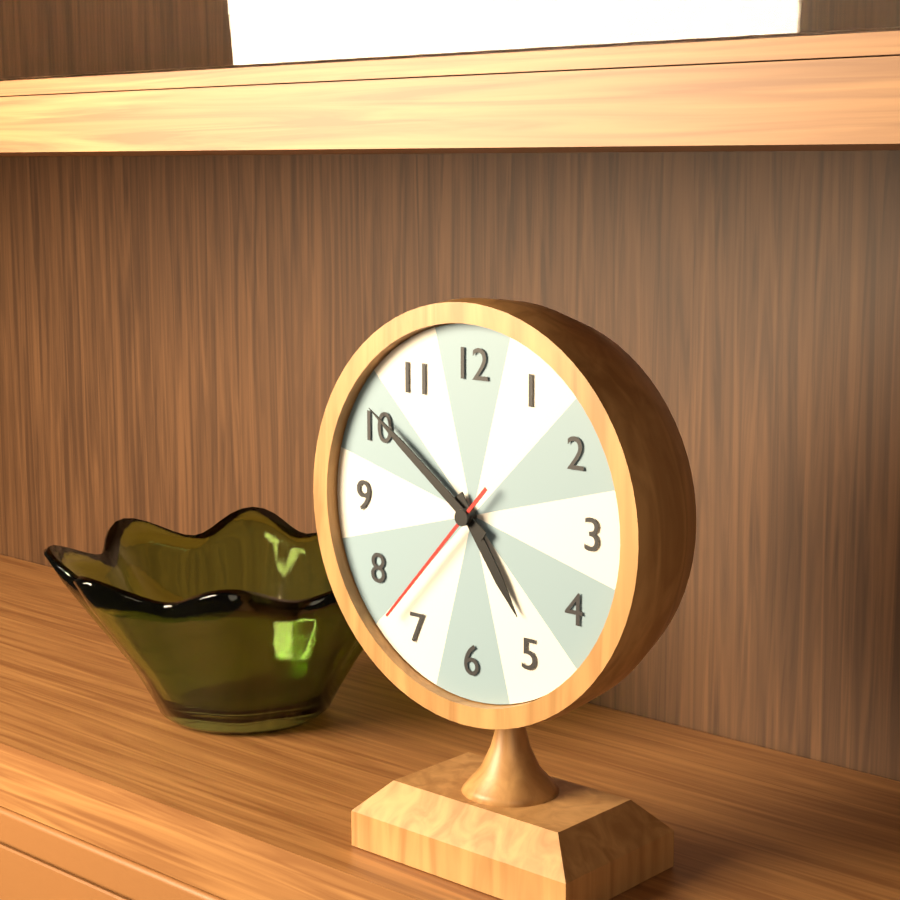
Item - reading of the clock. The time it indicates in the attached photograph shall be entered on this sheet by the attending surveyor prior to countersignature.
4:51:37
